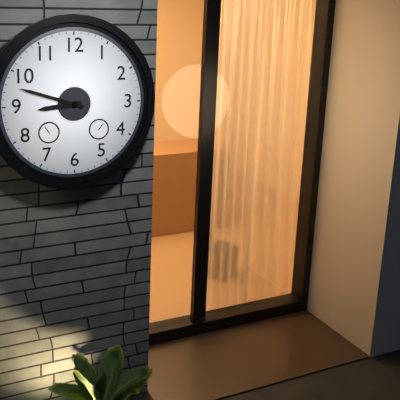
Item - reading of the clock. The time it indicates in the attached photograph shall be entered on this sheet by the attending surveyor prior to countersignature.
8:48
